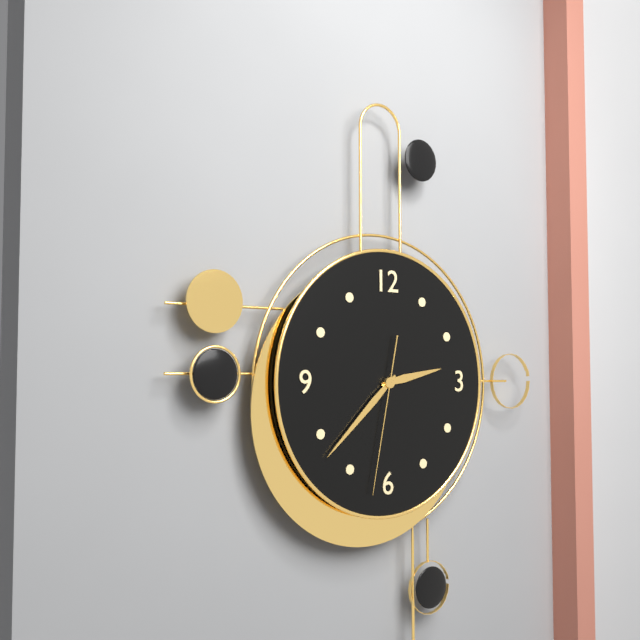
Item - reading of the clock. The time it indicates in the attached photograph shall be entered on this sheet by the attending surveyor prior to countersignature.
2:38:32
